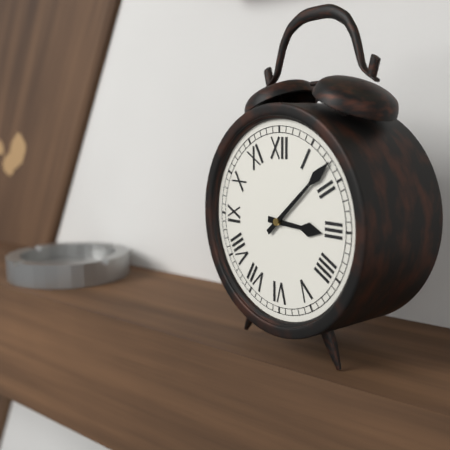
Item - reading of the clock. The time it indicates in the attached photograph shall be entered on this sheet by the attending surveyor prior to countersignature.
3:08
